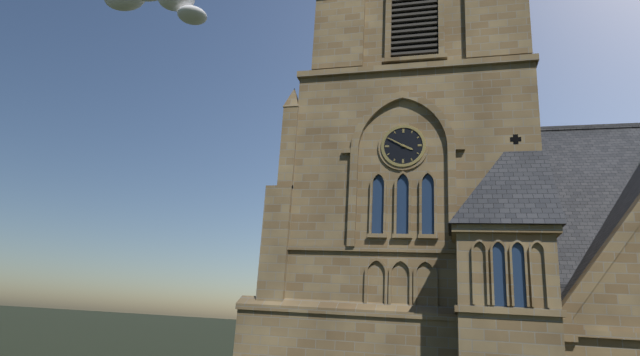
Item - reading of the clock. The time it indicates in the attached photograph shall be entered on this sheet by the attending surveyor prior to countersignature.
3:50
